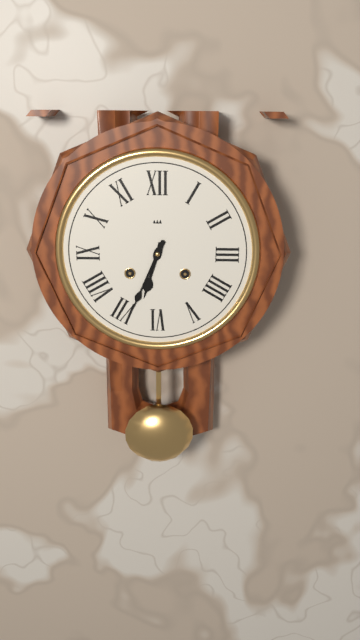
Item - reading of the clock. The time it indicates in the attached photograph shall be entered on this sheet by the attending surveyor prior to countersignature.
6:34
